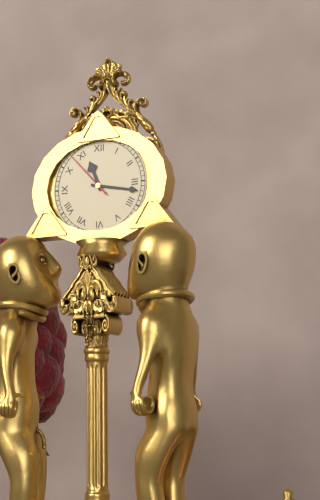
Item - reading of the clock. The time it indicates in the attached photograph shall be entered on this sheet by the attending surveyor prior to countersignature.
11:17:53
